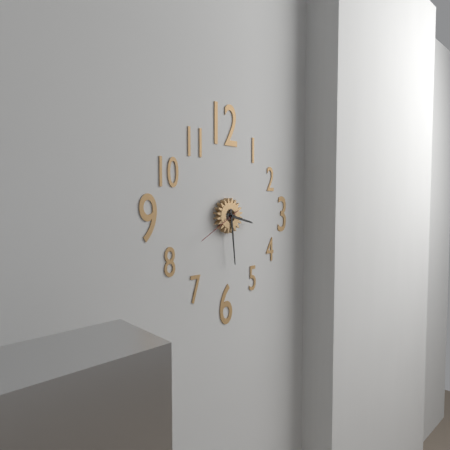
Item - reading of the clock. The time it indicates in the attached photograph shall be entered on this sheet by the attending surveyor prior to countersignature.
3:29
